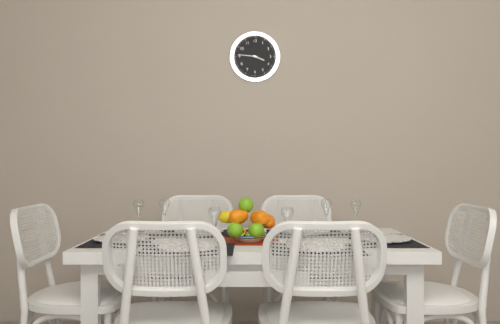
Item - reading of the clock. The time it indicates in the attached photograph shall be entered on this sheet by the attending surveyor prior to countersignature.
3:46
